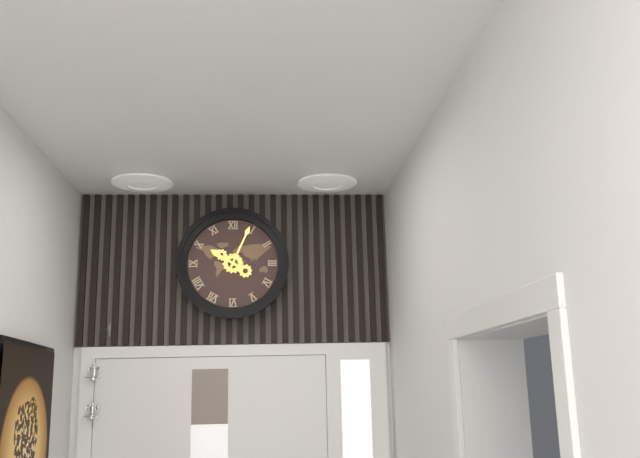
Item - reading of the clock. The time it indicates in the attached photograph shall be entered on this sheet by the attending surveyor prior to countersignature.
10:04
